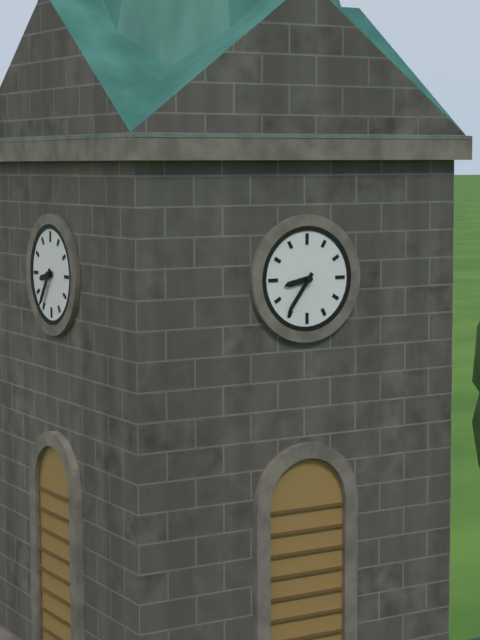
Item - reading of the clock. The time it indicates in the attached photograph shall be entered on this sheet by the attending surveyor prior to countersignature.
8:36
